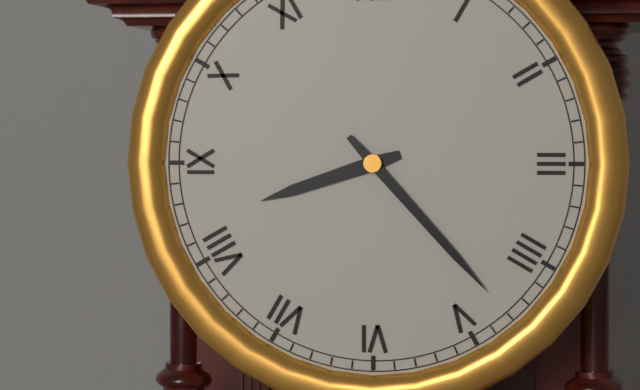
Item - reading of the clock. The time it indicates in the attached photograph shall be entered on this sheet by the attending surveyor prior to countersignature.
8:23
